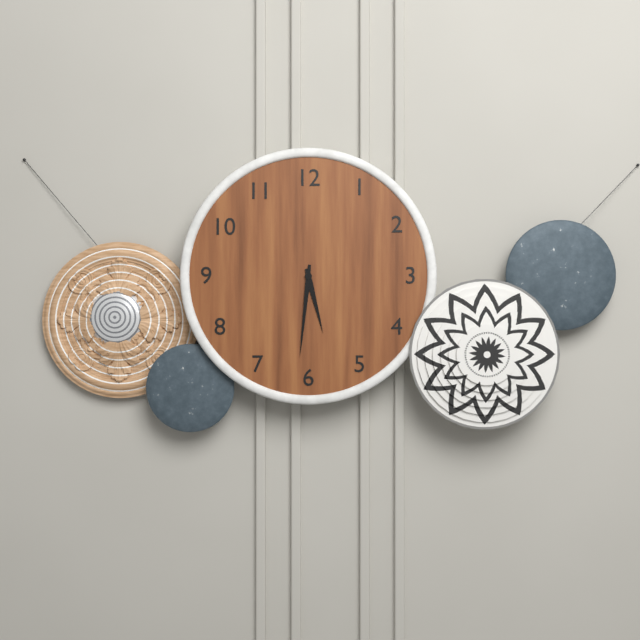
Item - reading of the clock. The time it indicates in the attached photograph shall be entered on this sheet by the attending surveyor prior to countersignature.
5:31
